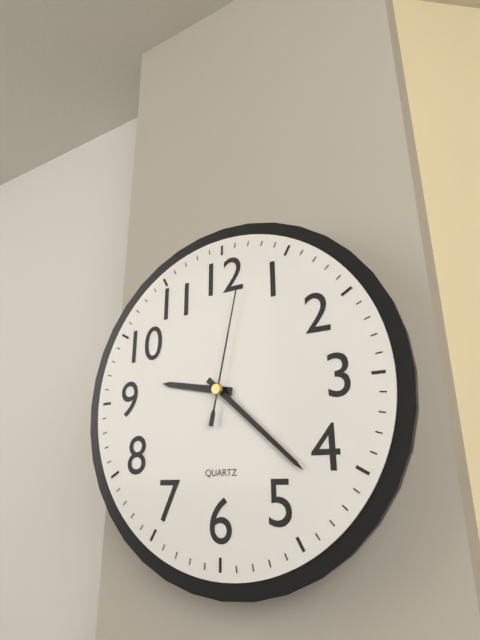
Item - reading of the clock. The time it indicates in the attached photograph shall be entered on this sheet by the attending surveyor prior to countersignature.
9:22:02
